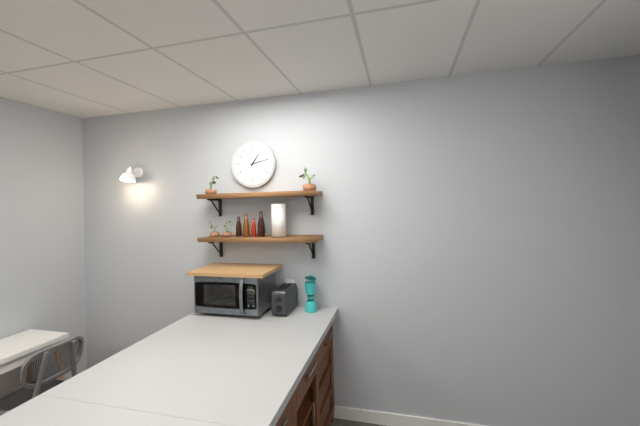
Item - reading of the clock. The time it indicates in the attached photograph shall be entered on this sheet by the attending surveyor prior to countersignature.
1:13
